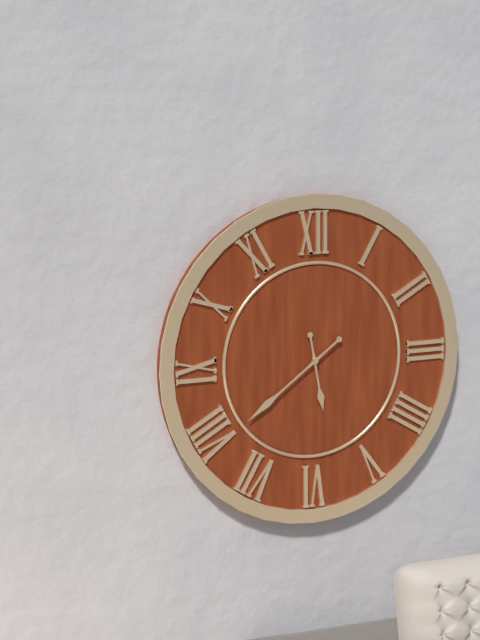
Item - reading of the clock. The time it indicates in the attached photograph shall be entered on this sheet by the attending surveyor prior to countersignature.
5:39
